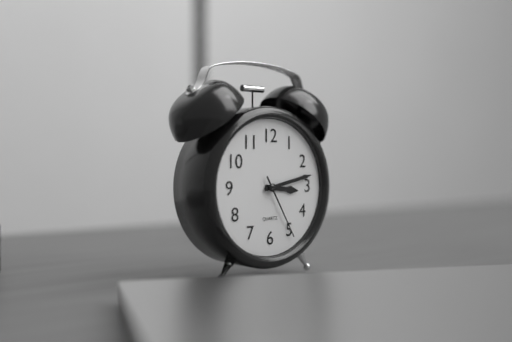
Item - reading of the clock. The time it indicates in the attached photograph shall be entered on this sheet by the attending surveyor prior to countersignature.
3:13:25
